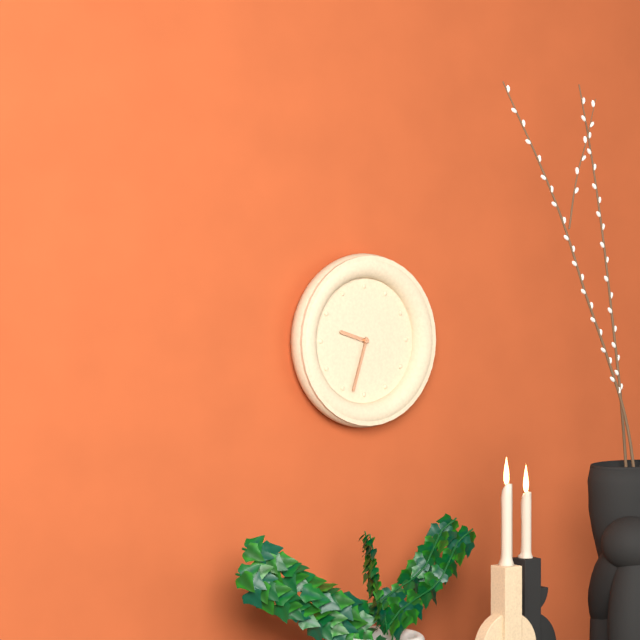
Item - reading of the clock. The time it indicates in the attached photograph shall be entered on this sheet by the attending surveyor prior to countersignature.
9:33
